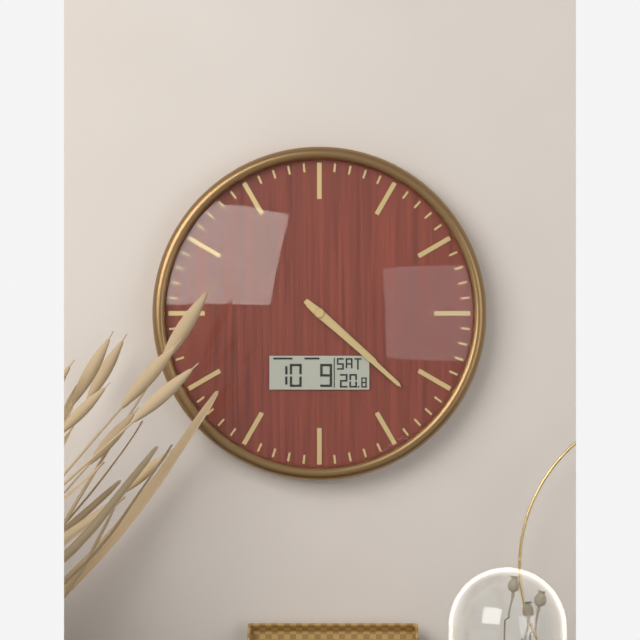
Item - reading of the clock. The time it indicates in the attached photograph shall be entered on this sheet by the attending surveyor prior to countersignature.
4:22
